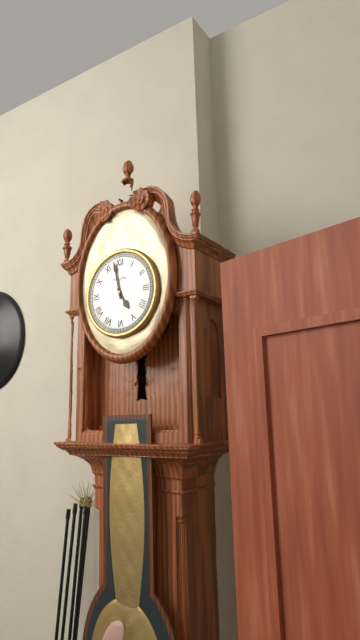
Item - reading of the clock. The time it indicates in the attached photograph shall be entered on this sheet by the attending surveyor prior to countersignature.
4:58
